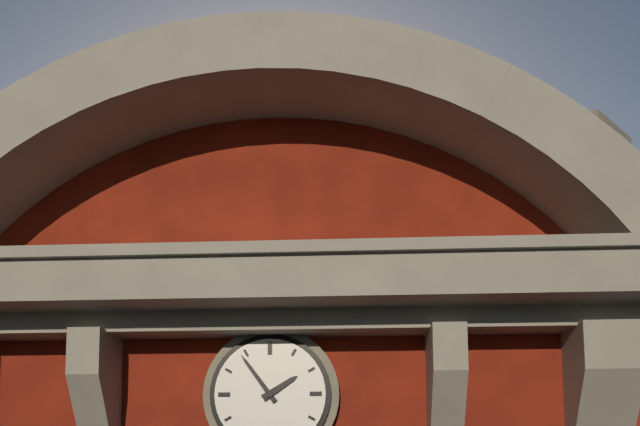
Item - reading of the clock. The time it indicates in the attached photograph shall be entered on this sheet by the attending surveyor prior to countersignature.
1:54
